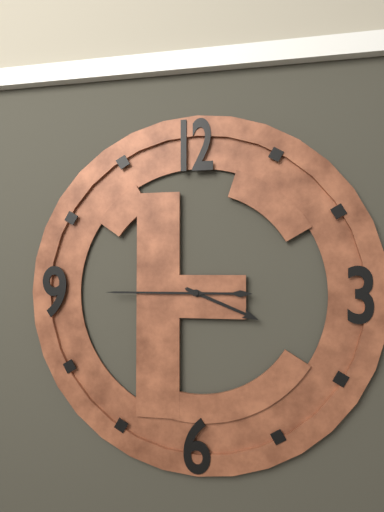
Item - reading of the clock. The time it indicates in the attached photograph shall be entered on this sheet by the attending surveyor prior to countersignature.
3:45
